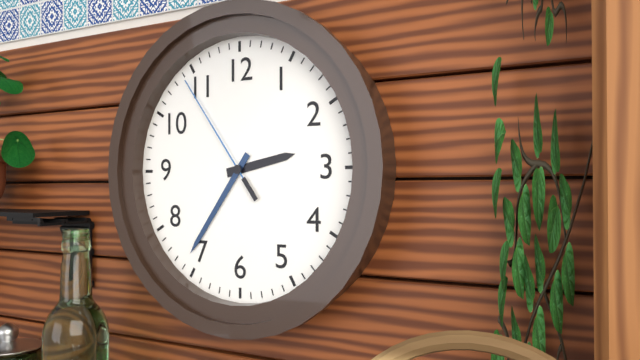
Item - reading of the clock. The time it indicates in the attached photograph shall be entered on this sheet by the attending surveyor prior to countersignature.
2:36:54
